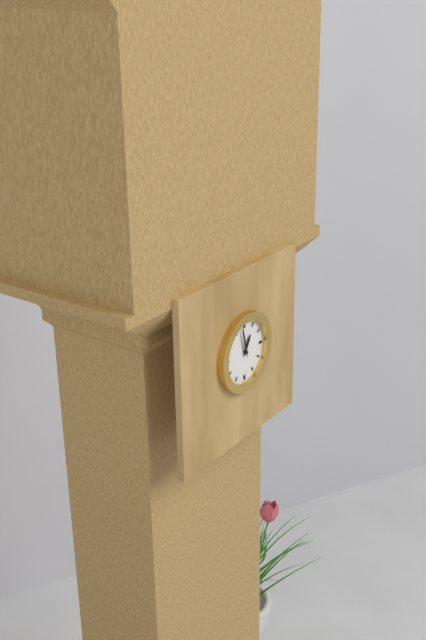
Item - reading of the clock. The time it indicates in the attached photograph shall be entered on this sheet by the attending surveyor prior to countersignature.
12:58
